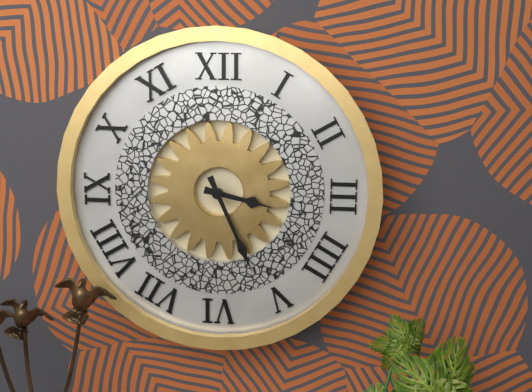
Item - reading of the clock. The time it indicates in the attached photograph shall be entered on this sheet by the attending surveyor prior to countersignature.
3:26
